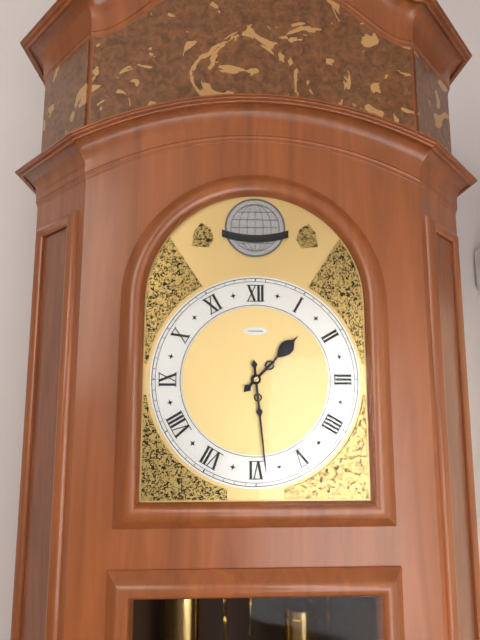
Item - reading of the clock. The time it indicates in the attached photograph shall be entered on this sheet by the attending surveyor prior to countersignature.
1:29
